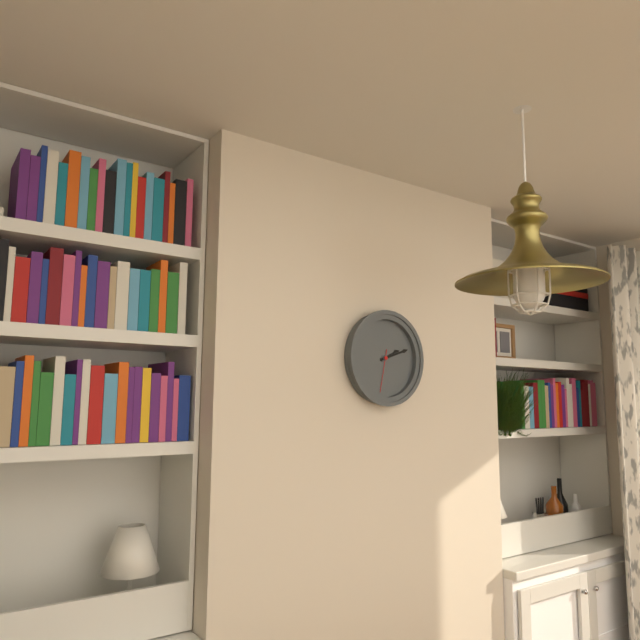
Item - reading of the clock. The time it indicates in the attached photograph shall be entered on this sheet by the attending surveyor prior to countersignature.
2:12
